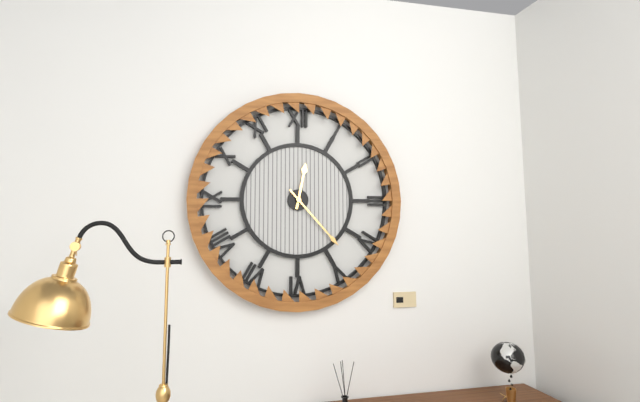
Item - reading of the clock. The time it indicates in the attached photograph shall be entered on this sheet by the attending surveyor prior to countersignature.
12:23
